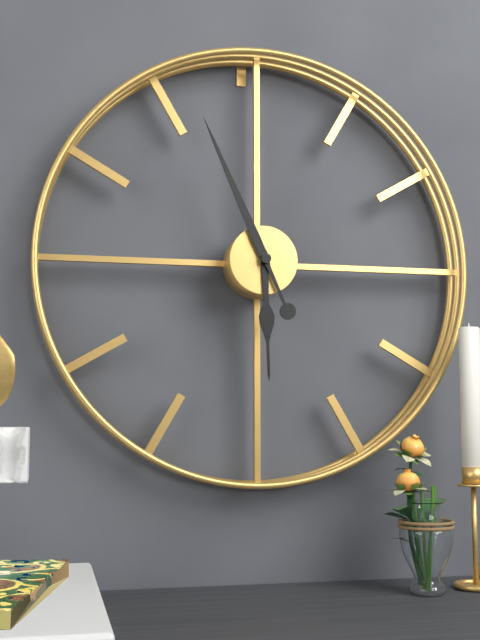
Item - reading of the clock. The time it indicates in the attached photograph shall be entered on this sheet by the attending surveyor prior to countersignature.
5:56
